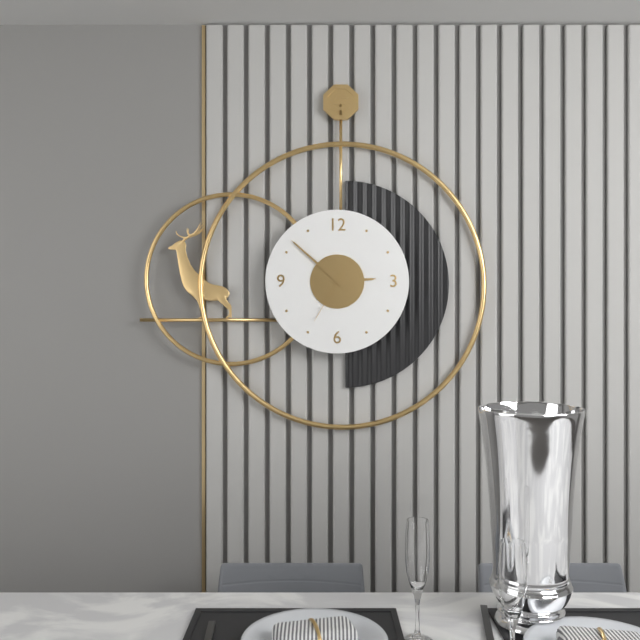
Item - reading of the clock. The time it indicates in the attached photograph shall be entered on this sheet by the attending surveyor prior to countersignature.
2:52:35
